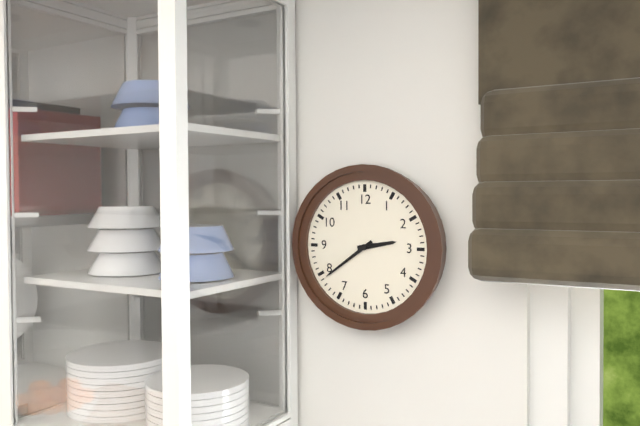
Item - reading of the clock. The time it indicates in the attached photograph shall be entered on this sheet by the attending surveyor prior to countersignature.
2:39
